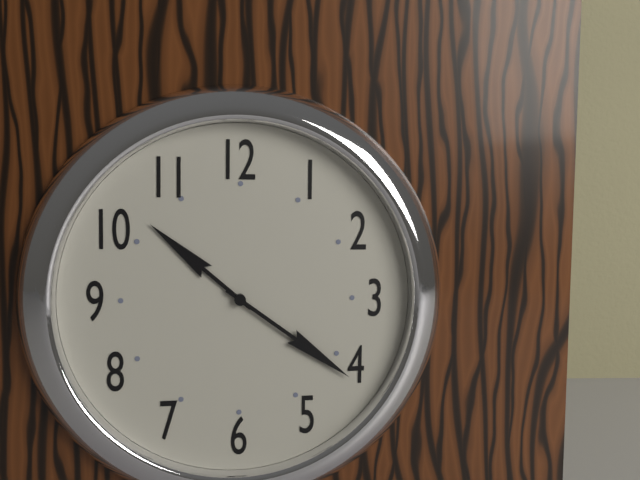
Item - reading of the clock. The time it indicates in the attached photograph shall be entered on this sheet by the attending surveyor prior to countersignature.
10:21
